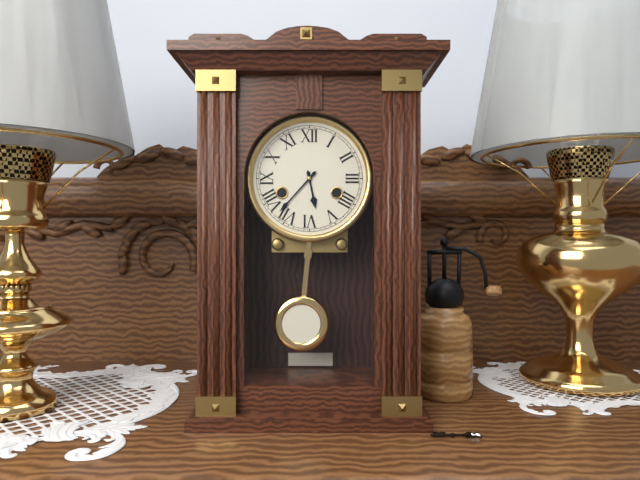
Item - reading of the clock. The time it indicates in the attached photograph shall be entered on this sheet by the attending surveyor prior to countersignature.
5:37
